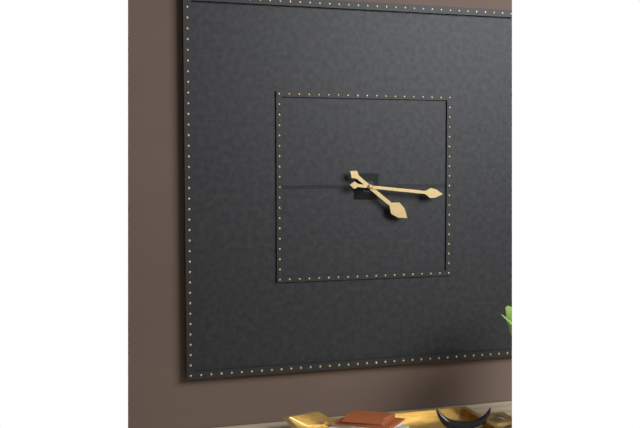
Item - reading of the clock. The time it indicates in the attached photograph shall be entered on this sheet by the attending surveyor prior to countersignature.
4:16
